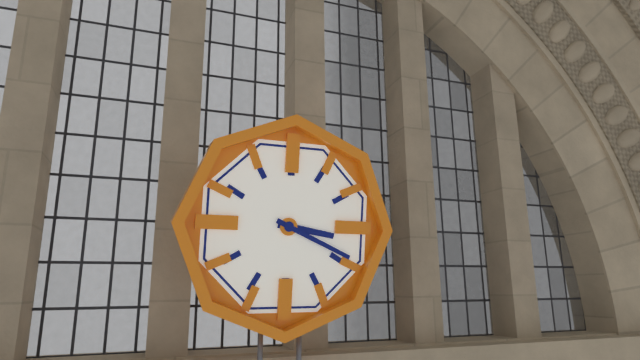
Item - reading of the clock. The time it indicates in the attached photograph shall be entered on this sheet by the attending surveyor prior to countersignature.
3:19
